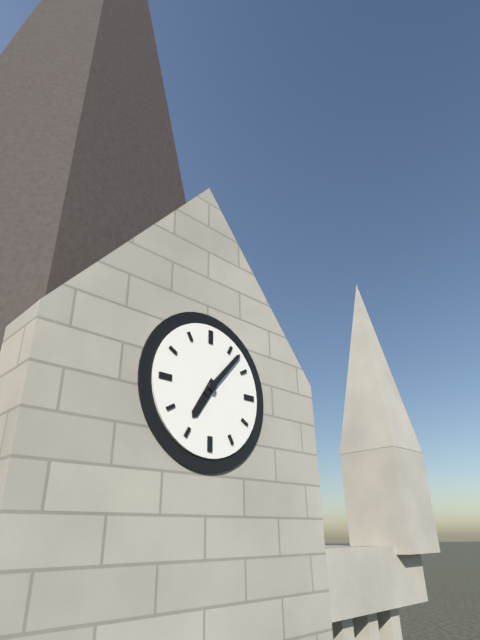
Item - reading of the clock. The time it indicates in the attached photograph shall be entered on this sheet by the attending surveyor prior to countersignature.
7:07
